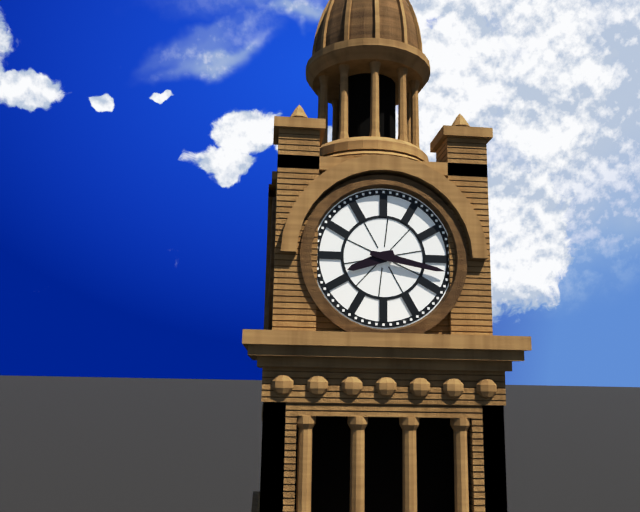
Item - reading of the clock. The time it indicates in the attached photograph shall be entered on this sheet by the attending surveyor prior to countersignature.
8:17
